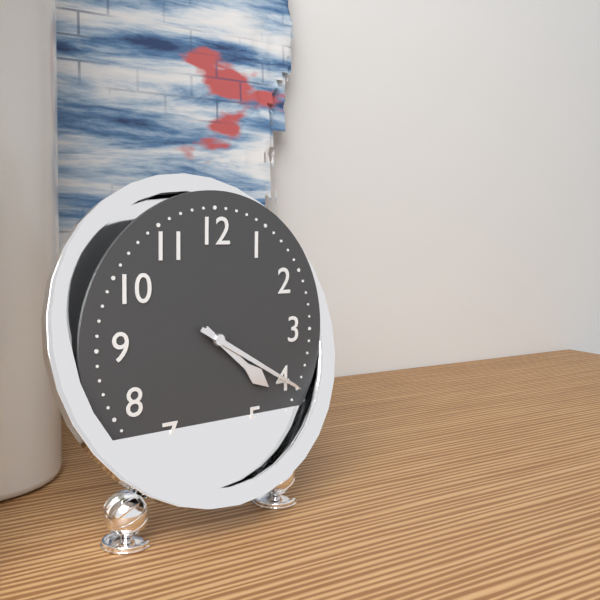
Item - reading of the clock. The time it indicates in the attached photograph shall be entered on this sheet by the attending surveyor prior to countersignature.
4:20
